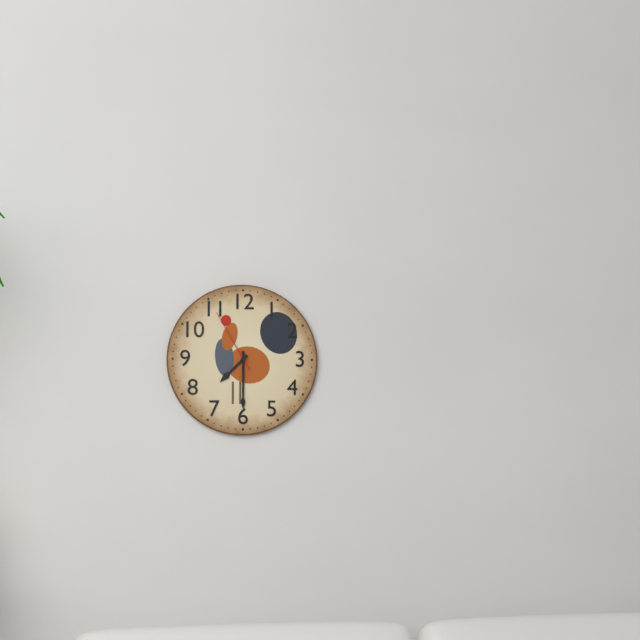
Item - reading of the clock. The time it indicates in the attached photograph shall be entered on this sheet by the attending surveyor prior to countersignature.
7:30:55
